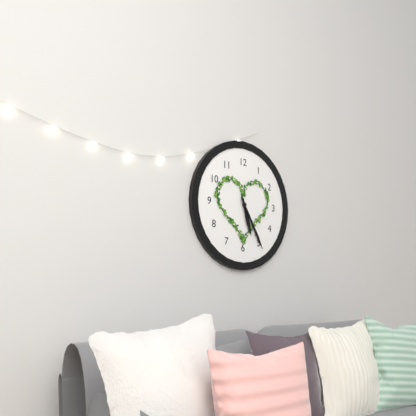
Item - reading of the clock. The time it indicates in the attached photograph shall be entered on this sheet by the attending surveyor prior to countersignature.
5:25
